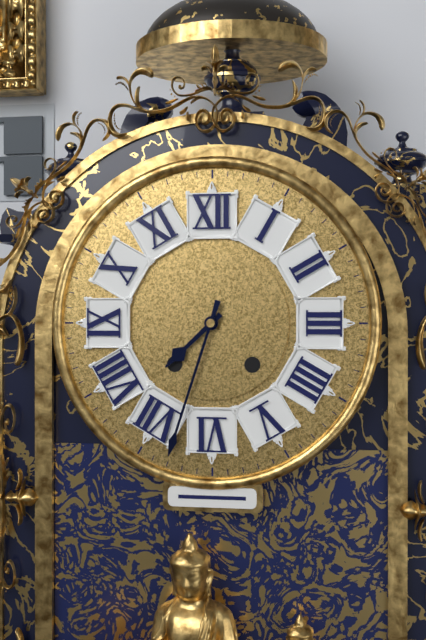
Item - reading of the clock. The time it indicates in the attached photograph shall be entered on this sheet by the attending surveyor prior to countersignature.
7:33
